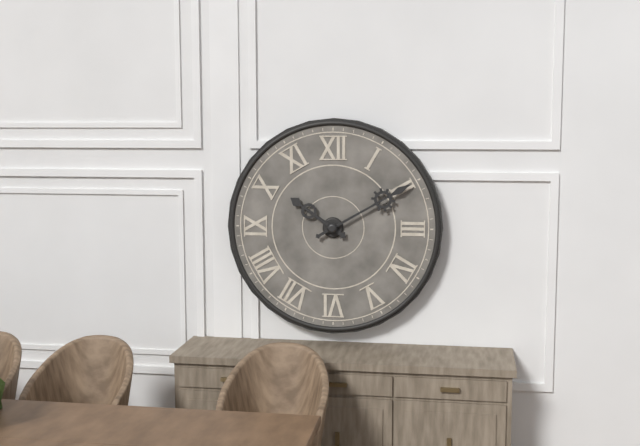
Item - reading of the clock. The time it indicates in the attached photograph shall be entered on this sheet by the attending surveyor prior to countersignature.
10:10
